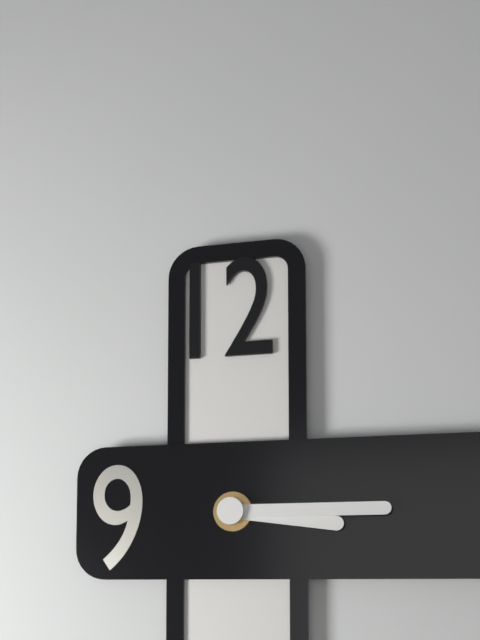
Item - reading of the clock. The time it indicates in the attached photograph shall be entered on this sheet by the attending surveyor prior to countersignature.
3:15
